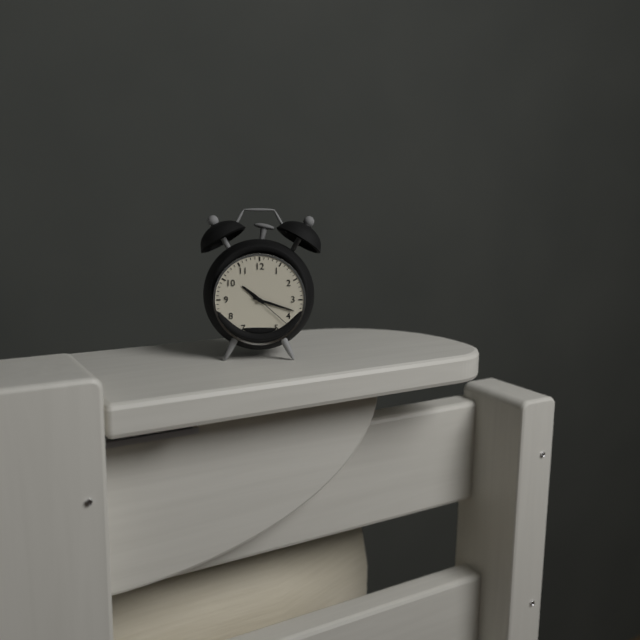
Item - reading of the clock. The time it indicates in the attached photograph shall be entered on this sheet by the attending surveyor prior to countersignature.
10:18
